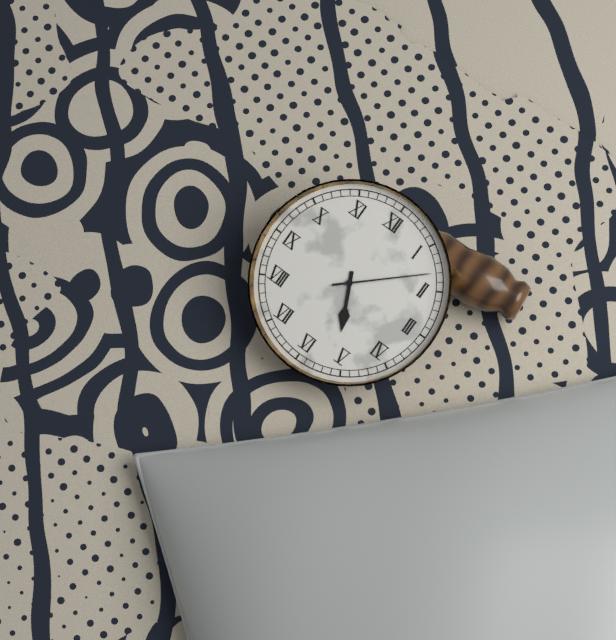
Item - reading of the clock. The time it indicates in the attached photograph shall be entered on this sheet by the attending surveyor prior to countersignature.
5:08
